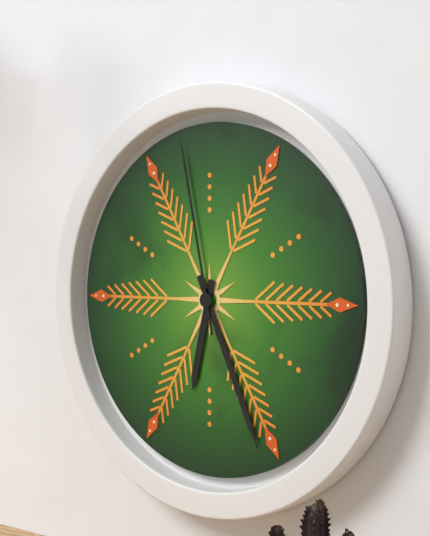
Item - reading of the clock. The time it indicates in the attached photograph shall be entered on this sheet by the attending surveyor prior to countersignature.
6:26:58
